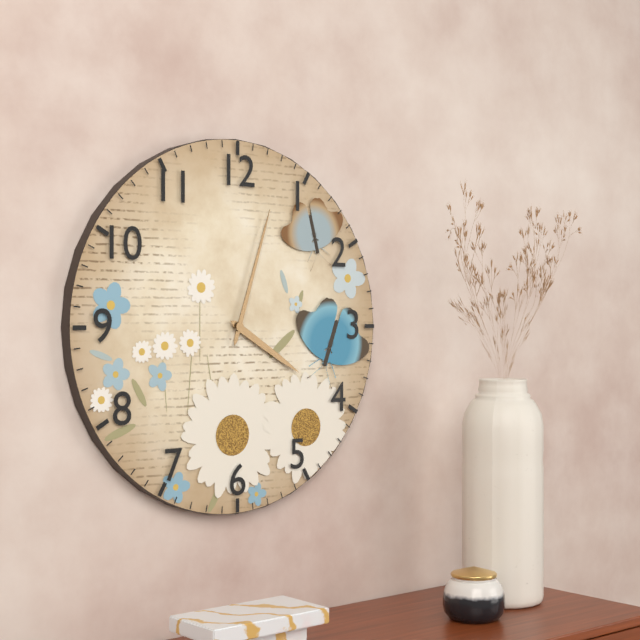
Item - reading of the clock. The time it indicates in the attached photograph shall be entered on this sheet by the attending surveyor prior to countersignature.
4:03
